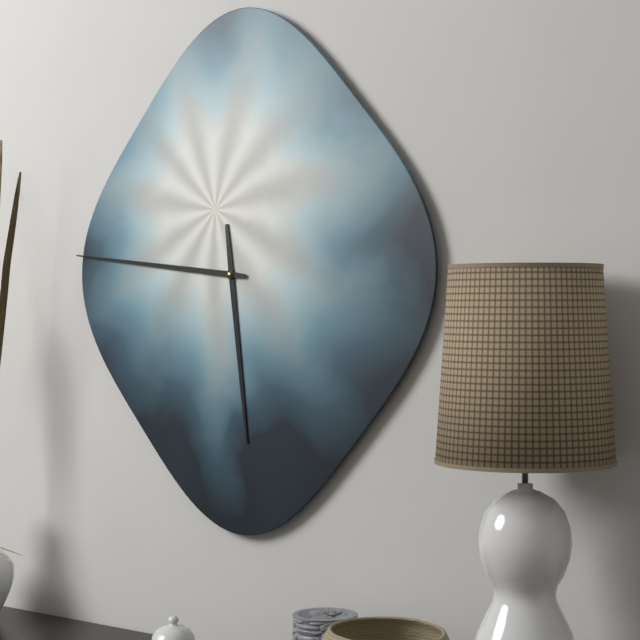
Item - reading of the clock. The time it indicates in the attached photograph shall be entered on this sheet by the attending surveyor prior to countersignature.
5:46
